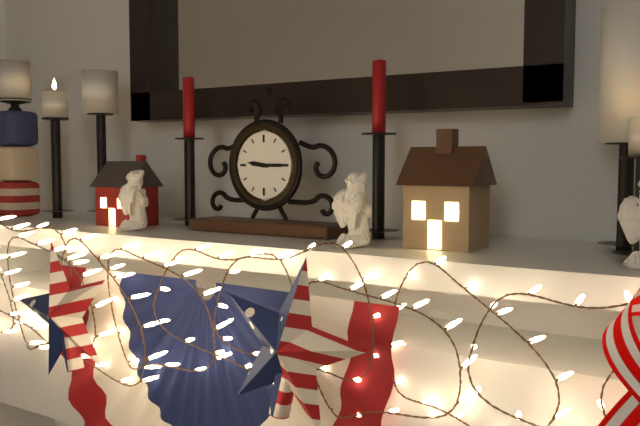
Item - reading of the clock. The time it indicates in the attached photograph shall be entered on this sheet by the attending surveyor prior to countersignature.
9:15
